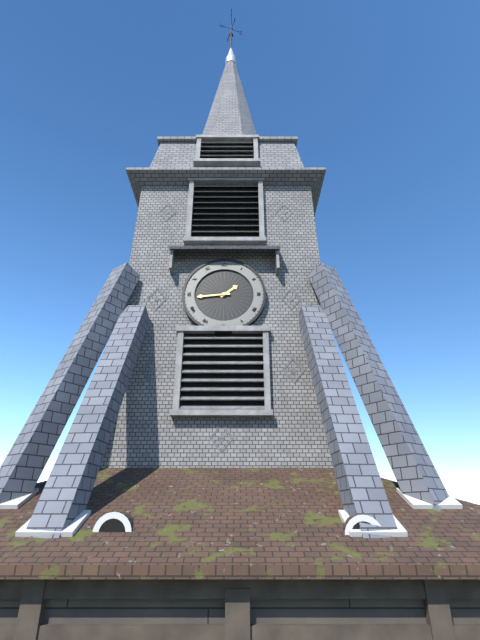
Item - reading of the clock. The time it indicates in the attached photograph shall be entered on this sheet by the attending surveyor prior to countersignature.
1:44
